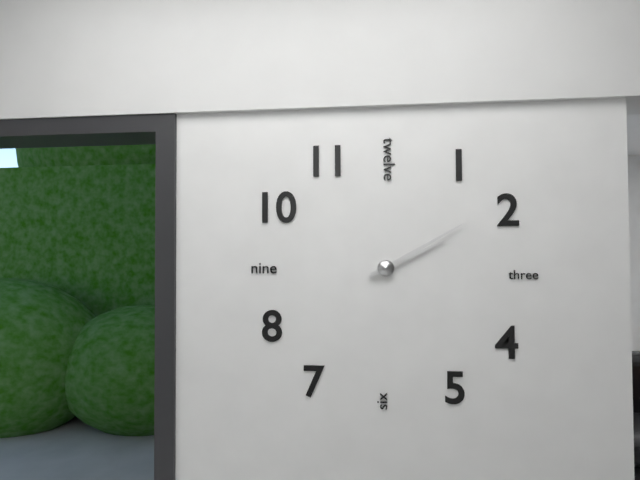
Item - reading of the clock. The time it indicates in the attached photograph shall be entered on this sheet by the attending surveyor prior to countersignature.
2:10
